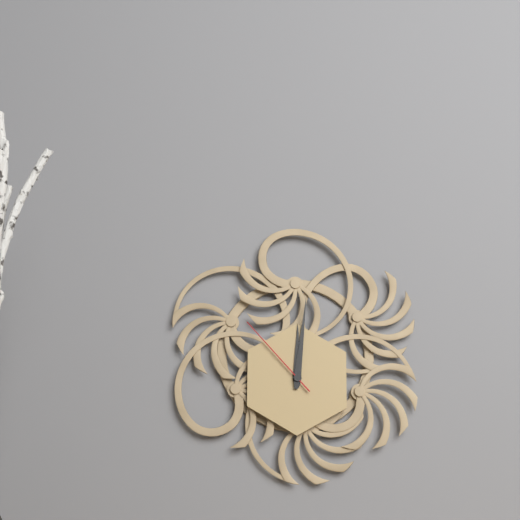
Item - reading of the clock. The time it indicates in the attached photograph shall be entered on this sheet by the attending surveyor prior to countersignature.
12:01:53
